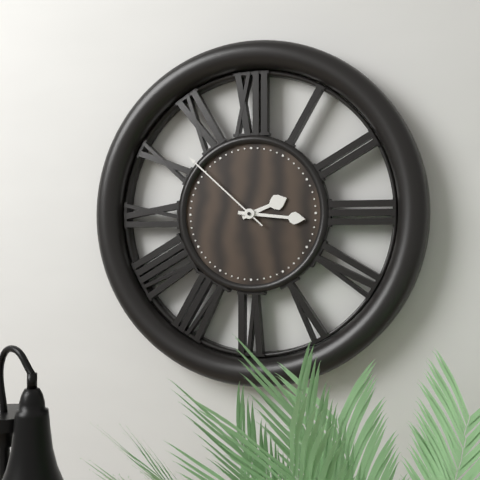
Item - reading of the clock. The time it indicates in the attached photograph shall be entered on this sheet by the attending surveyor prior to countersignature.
2:16:52
